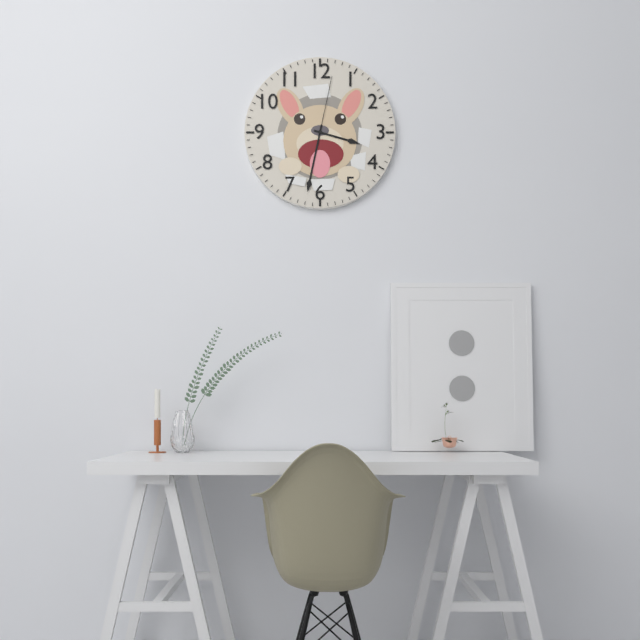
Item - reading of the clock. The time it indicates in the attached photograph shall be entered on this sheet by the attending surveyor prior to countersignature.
3:32:02
